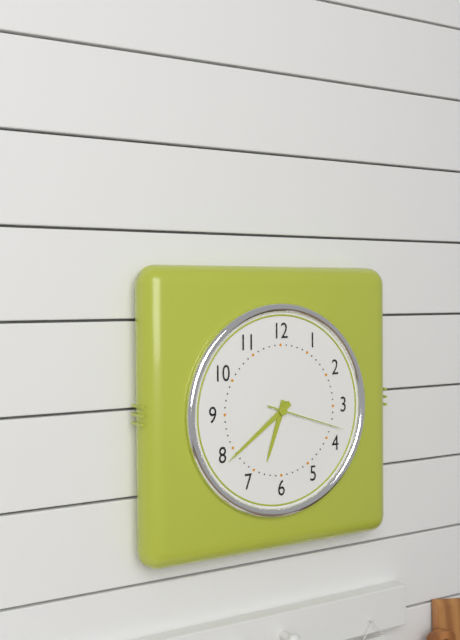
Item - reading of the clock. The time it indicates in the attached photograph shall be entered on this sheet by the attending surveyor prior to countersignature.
6:39:18
